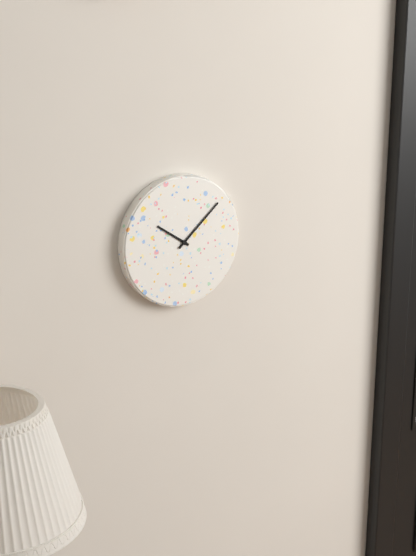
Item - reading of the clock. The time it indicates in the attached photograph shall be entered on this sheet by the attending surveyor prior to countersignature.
10:08
